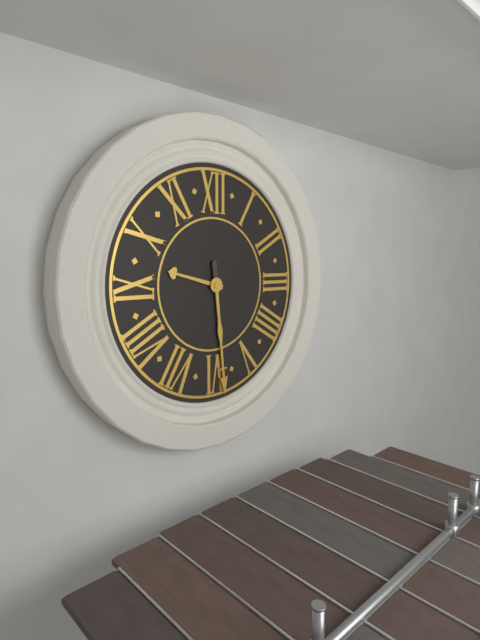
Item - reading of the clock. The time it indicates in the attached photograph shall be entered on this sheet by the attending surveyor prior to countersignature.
9:29
